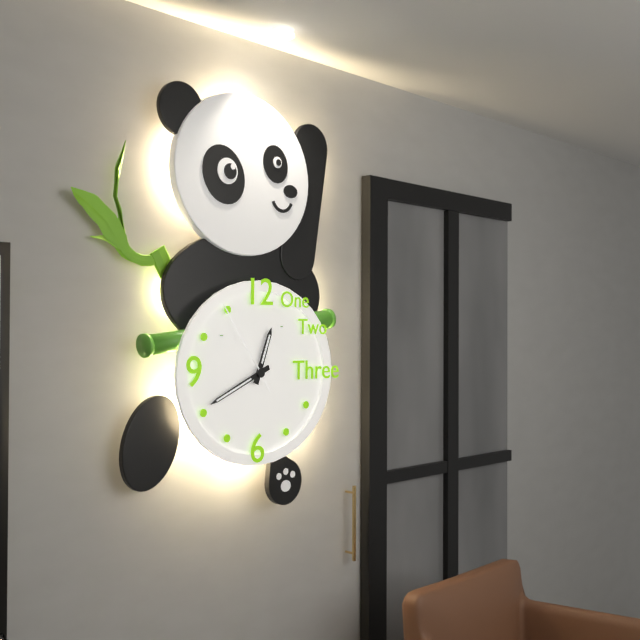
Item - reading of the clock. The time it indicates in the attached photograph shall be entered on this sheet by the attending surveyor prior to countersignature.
12:41:54
